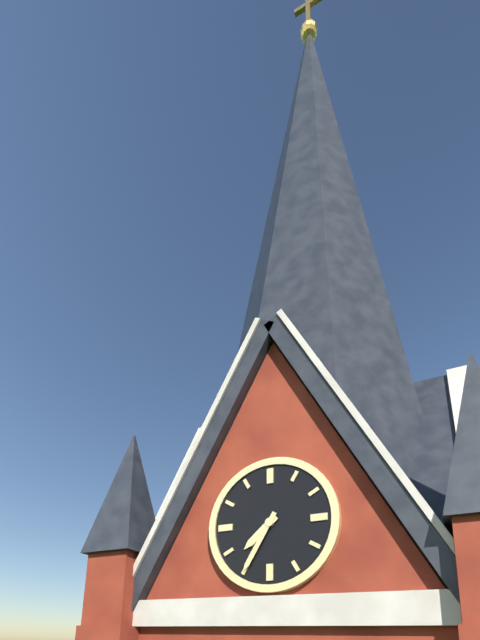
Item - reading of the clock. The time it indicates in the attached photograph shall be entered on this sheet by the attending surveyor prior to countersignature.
7:35
